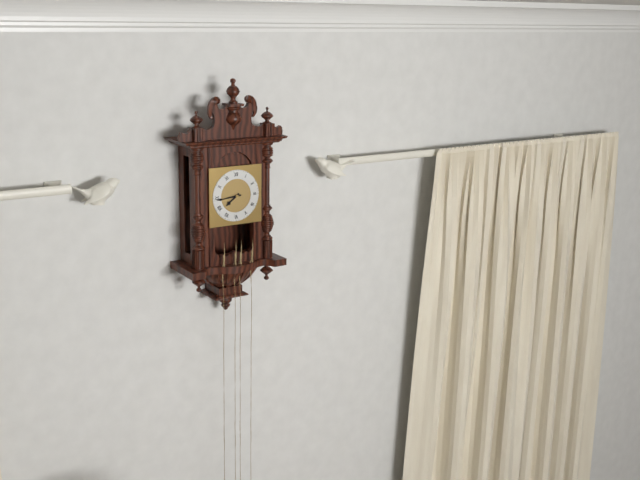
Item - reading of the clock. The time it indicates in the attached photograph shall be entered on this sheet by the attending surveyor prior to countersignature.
7:44
